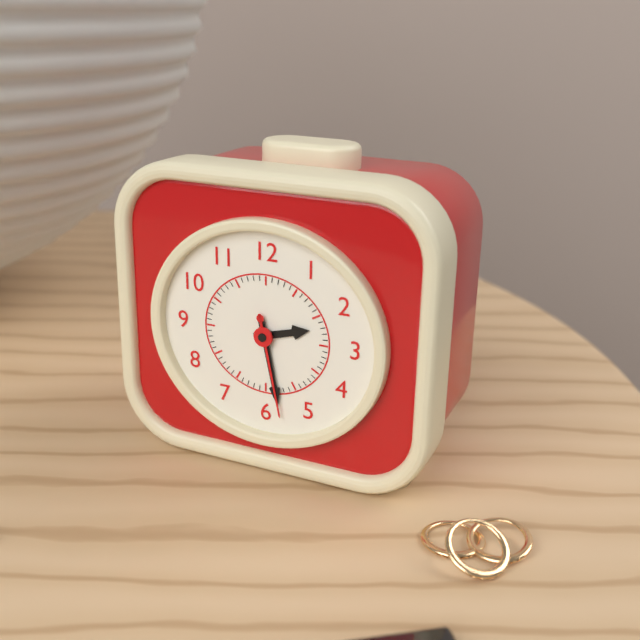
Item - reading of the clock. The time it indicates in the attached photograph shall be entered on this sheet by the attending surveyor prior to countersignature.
2:28:28
